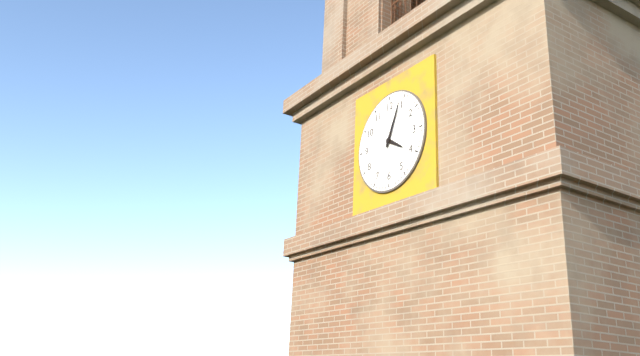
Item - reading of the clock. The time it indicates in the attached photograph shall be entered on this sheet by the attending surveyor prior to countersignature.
4:04
